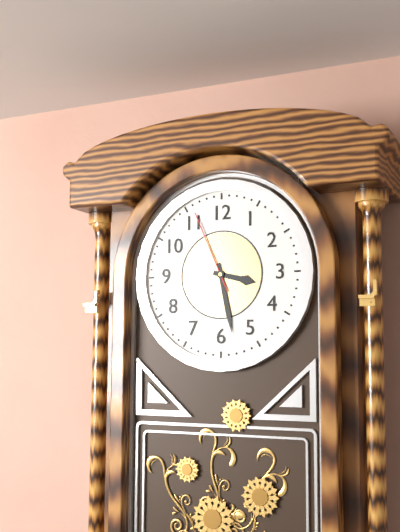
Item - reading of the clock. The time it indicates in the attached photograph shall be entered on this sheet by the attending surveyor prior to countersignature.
3:28:56
